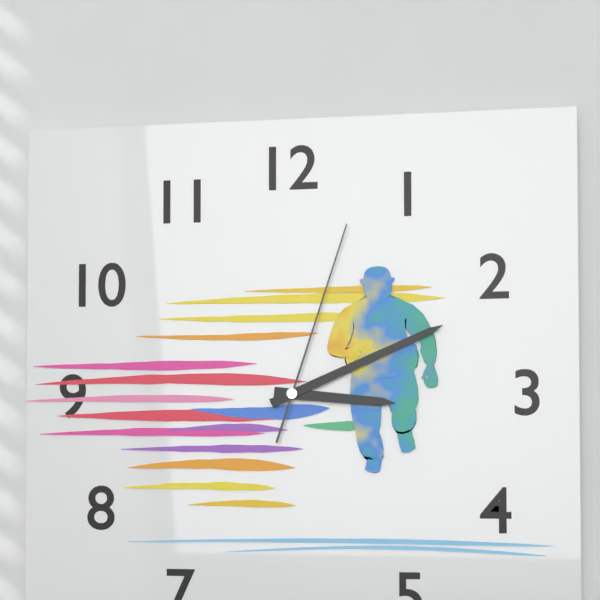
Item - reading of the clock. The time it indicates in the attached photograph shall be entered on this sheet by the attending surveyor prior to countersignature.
3:11:03
